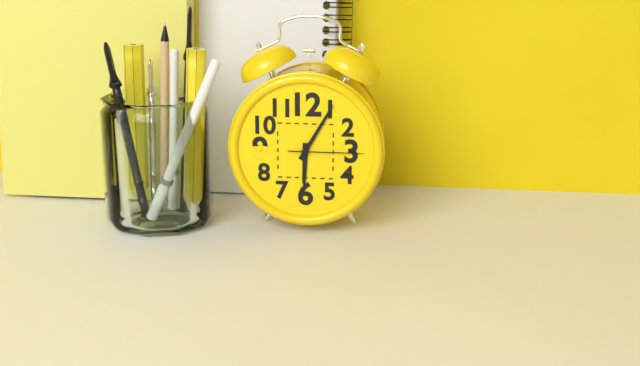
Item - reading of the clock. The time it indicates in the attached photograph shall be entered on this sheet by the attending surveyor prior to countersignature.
6:05:15
